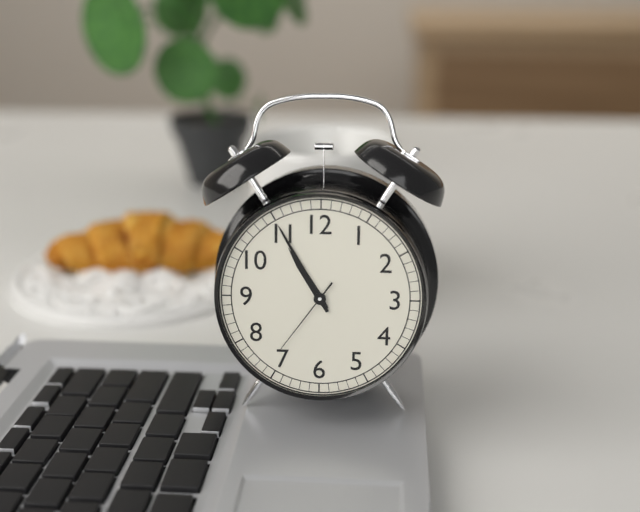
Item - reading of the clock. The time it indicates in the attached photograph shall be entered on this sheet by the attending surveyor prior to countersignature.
10:55:36
